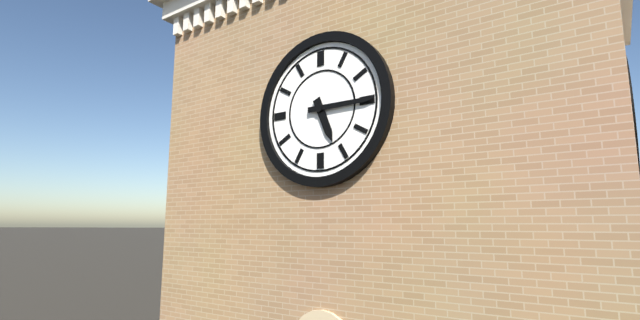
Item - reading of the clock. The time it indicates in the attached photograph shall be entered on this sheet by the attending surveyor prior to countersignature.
5:15
